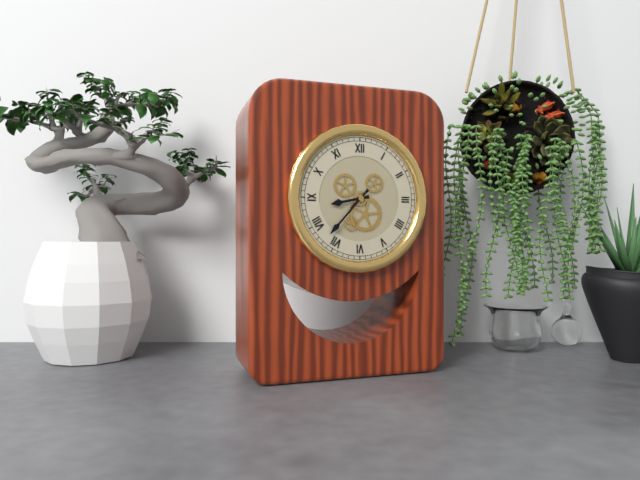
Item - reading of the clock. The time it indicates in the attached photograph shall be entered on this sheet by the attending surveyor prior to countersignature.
8:37
